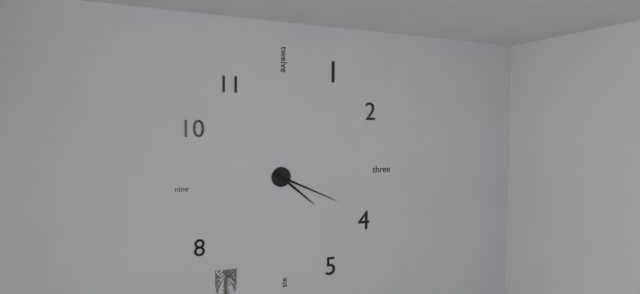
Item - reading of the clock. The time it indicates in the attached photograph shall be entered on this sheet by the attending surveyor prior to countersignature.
4:19
